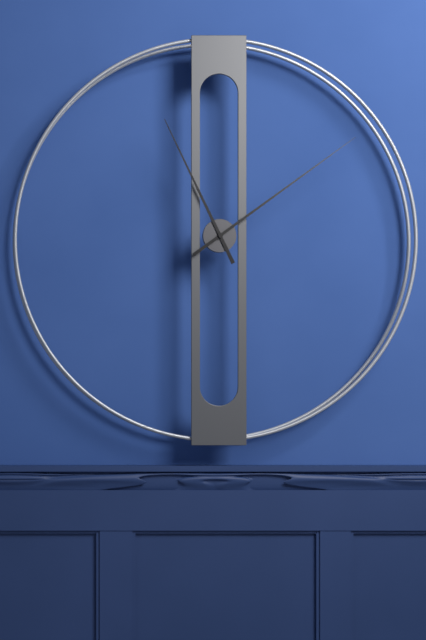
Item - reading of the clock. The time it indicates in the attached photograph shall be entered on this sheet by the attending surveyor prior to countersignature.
11:09
